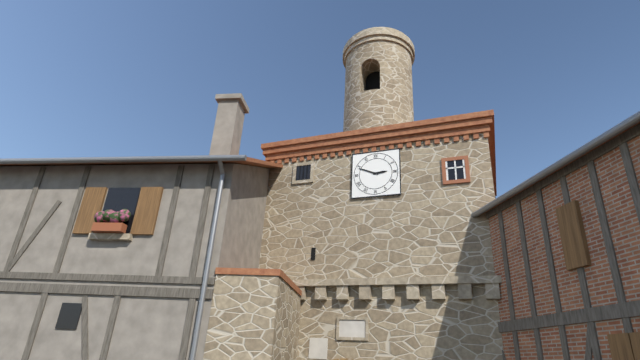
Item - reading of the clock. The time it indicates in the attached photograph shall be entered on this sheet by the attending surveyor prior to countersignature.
2:49
